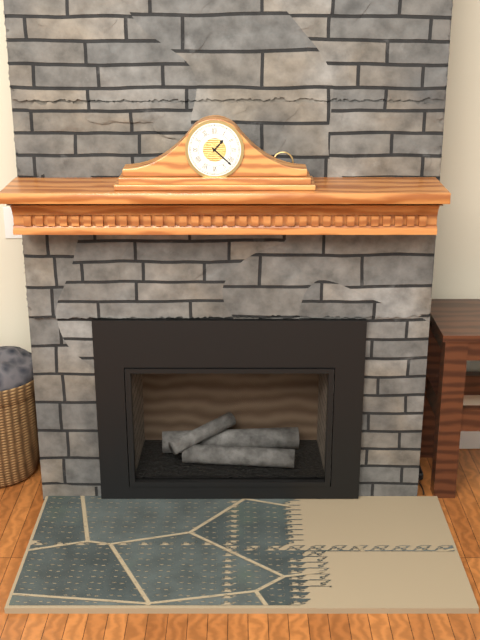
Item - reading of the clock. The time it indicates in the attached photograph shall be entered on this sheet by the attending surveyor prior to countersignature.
1:22
